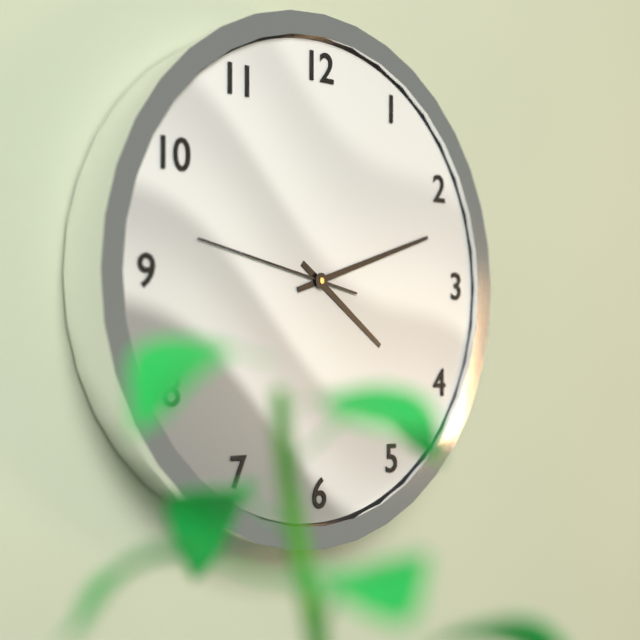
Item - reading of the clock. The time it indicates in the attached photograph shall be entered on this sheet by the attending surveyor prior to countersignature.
4:12:47
